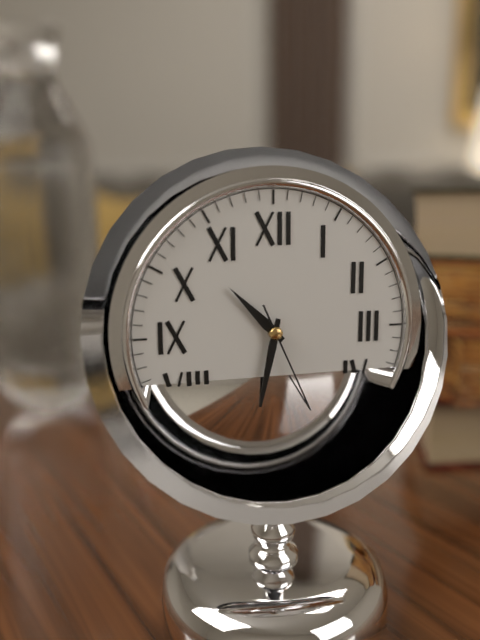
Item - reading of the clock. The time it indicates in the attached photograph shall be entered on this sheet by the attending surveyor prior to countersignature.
10:32
